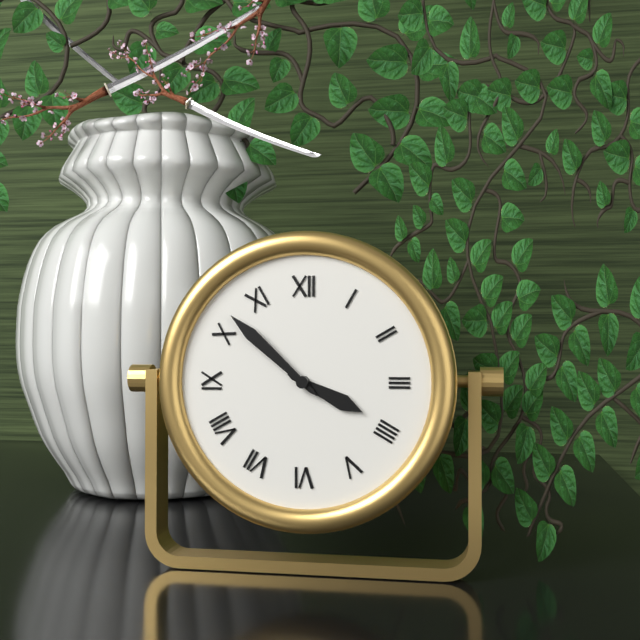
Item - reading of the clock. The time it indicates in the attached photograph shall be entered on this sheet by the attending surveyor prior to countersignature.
3:52
